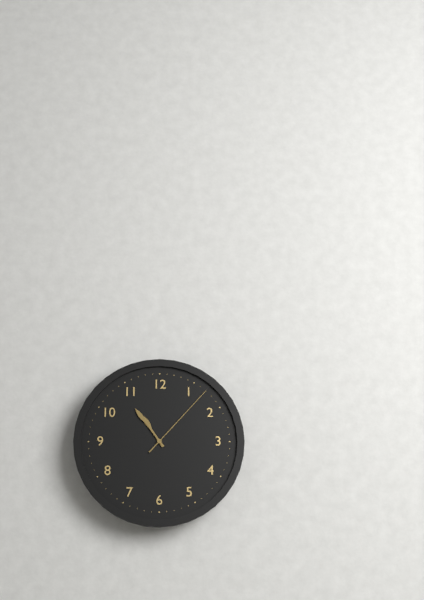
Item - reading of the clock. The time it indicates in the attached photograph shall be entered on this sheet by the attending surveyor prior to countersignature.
10:54:07
